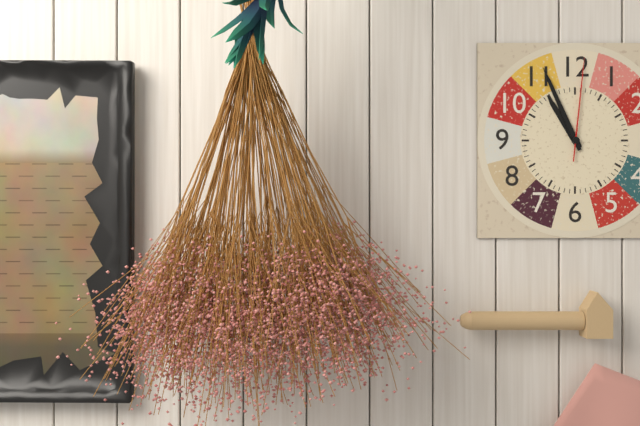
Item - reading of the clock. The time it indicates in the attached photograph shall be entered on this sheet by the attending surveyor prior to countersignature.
10:56:01
